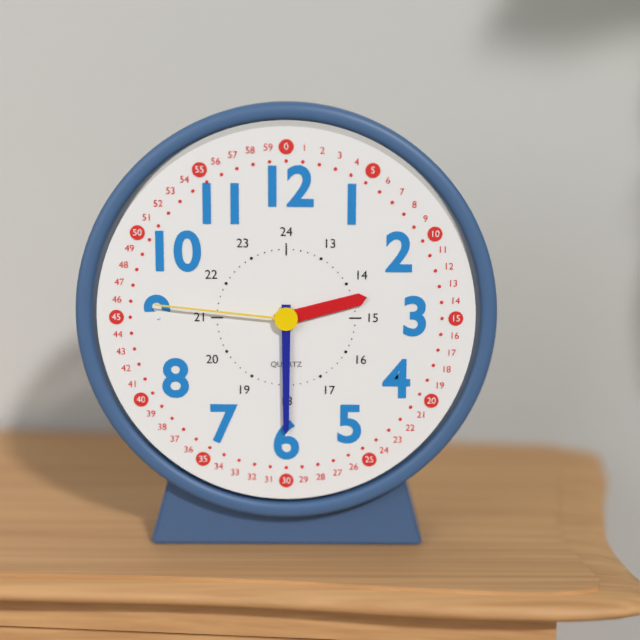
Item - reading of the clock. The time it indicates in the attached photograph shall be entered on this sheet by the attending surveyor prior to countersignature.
2:30:46
